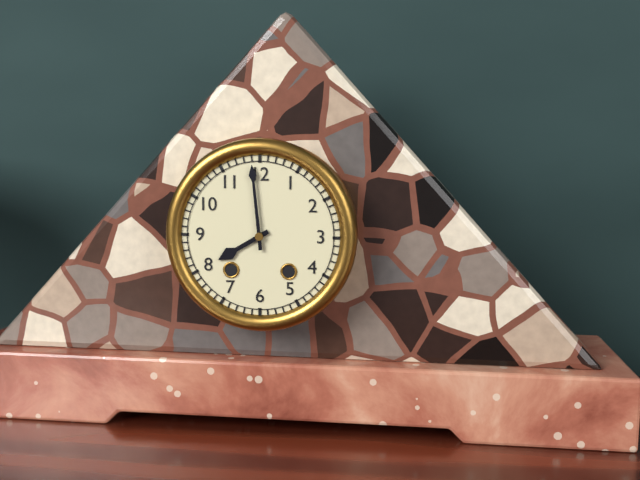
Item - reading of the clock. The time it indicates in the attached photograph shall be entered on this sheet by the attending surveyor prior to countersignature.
7:59
